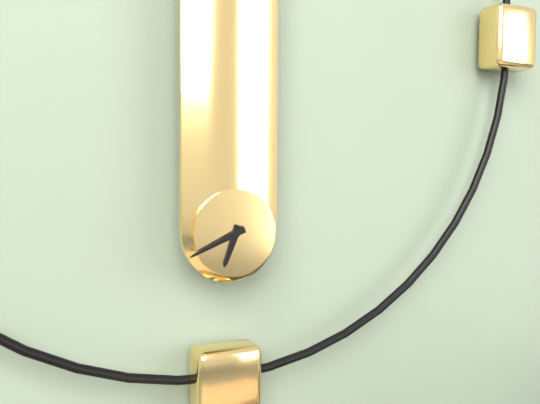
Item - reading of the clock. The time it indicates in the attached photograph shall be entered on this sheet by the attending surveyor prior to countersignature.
6:41
